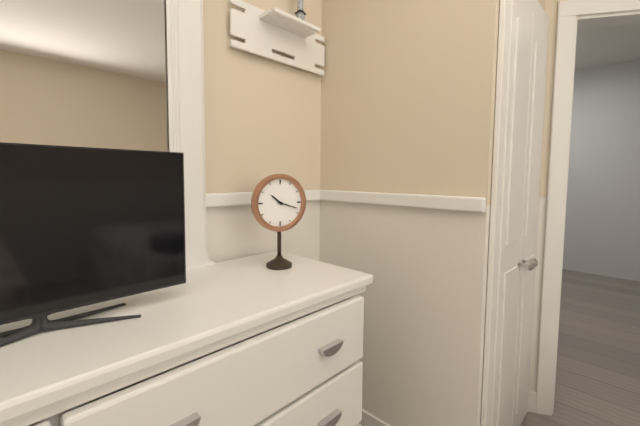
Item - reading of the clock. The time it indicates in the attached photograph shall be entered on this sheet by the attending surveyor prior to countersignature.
10:18
